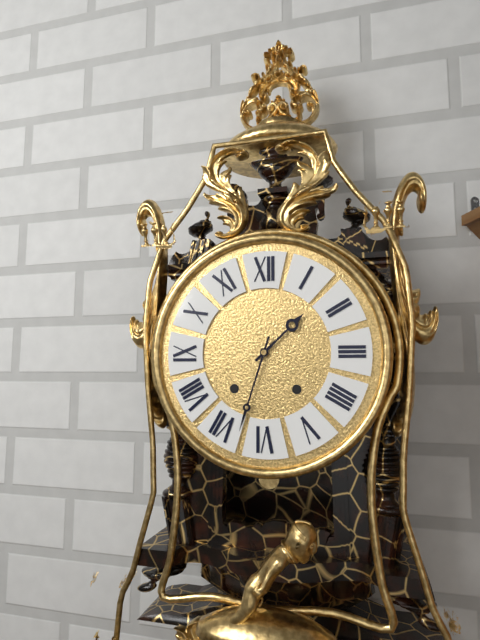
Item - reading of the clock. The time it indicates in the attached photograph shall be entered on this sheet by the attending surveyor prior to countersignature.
1:33
